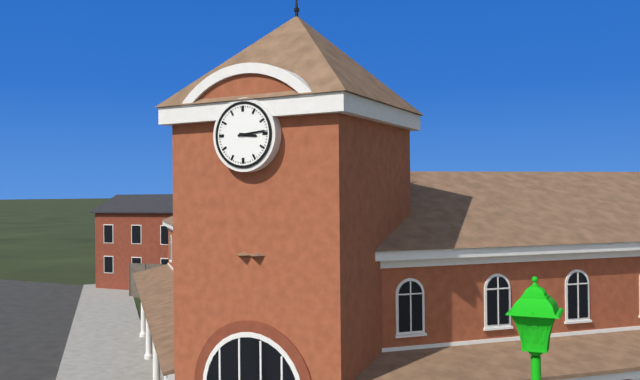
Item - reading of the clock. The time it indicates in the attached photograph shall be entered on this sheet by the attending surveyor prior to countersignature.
3:14
